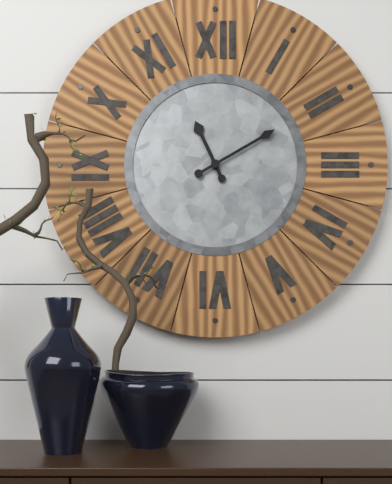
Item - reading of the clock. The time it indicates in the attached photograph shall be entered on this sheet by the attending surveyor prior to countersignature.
11:10
